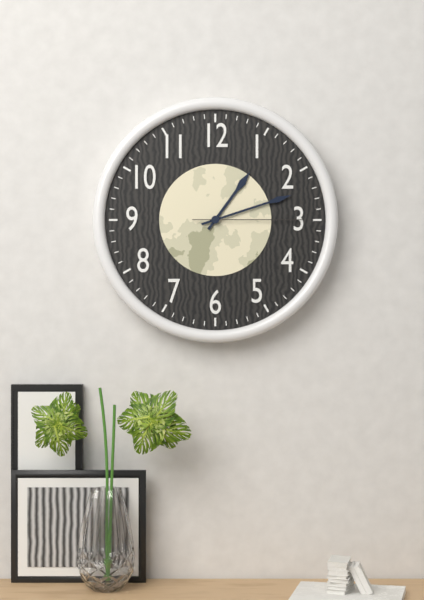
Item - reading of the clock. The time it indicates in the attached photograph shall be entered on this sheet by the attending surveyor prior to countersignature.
1:12:15
